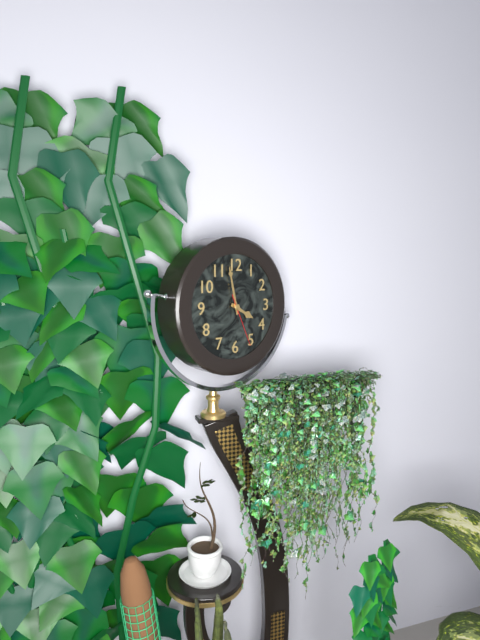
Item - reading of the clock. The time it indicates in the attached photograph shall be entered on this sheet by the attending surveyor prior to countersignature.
3:58:26
